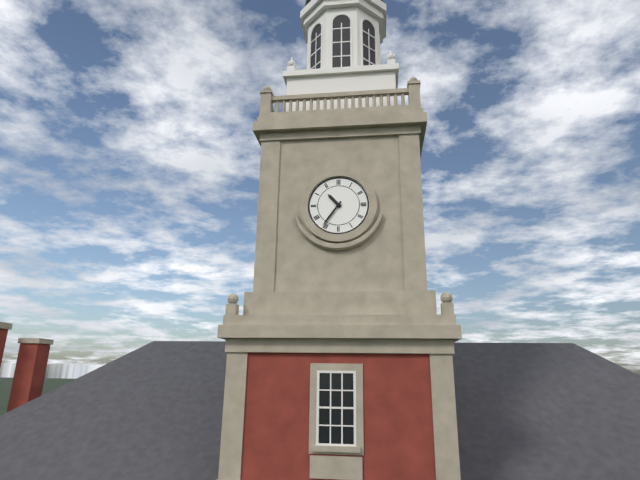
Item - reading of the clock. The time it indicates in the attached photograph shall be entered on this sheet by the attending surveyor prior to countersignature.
10:36
